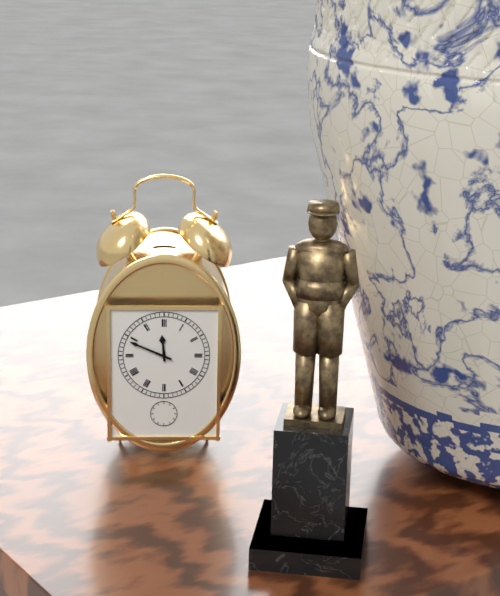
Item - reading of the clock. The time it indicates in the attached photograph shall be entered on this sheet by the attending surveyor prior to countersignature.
11:49
